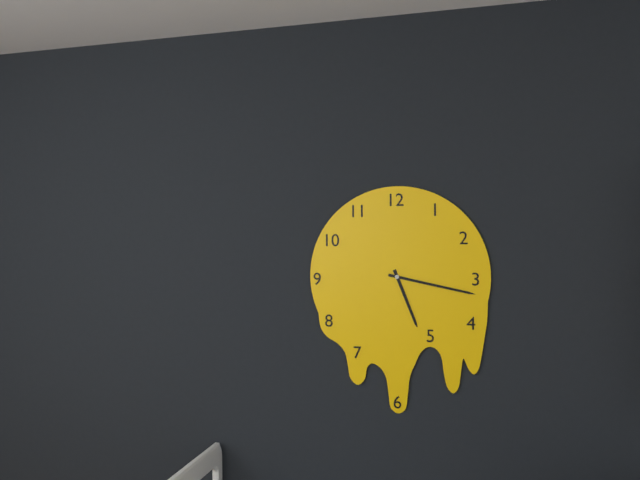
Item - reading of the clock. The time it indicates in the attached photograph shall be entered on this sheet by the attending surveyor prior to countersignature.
5:17
